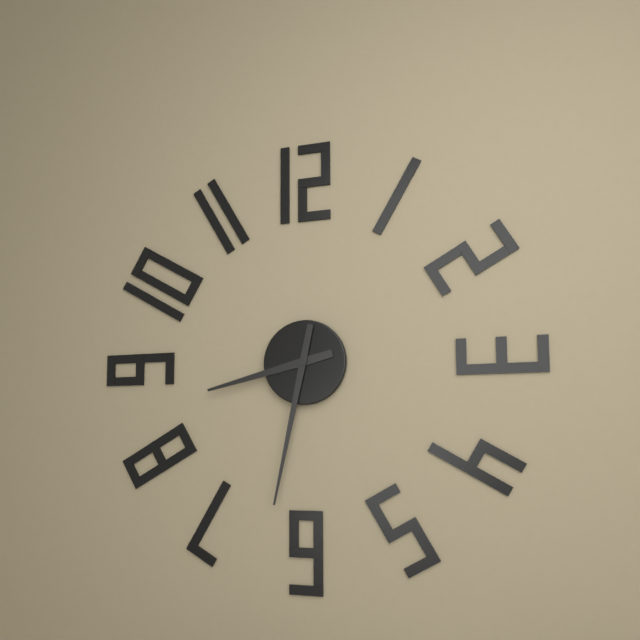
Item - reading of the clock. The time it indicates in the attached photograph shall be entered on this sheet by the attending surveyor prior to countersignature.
8:32
